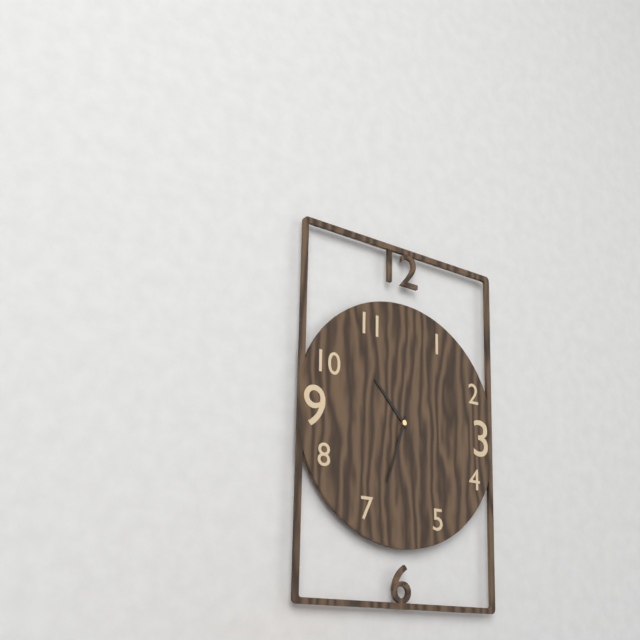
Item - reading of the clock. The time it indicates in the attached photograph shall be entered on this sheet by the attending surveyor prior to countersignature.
10:33
